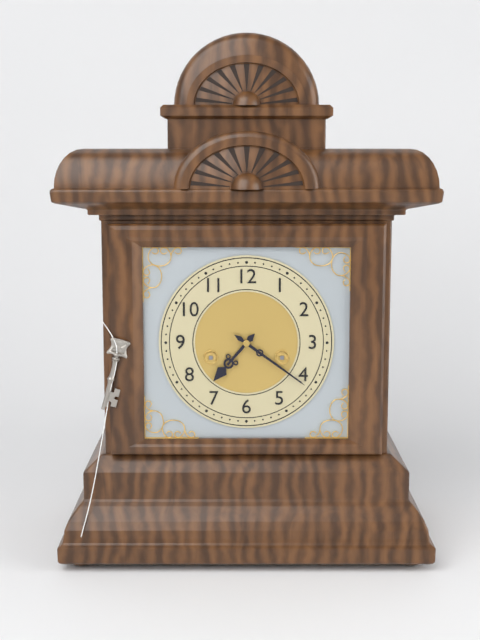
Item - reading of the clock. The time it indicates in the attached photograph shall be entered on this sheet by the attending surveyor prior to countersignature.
7:21
